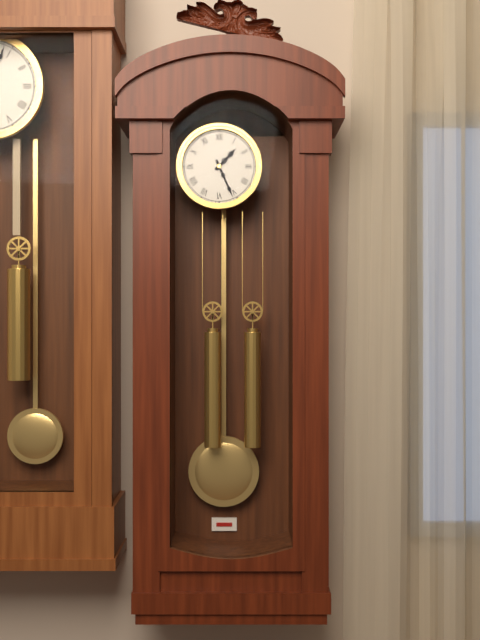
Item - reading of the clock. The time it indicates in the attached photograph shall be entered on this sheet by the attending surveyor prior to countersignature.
1:26
